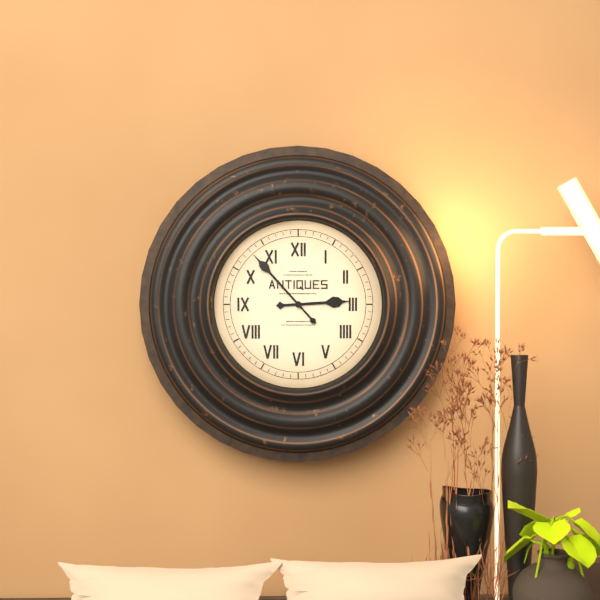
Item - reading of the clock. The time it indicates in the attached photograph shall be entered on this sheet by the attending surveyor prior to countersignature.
2:53
